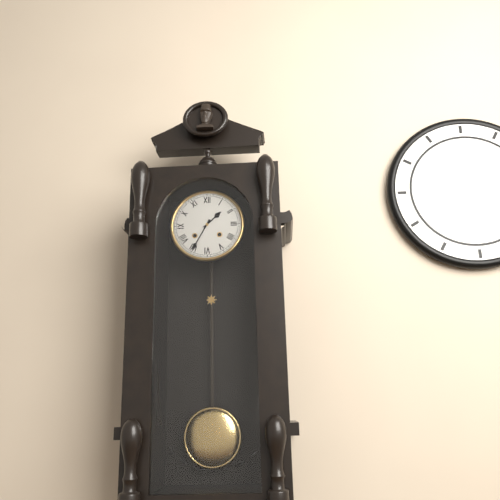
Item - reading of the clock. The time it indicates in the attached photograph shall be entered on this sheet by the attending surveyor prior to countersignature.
1:35
